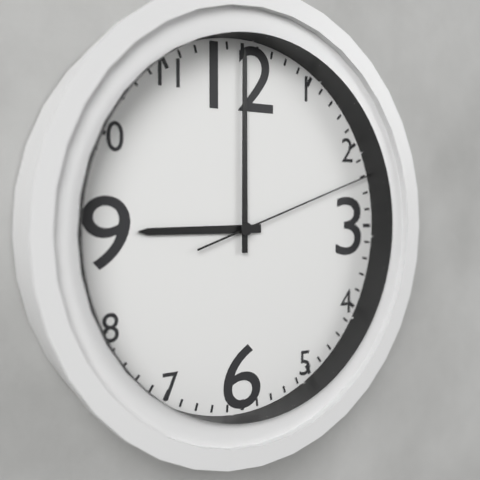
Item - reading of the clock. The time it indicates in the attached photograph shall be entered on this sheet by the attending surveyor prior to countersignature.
9:00:12
